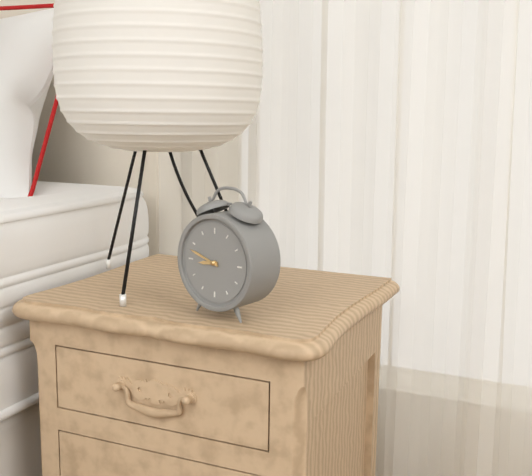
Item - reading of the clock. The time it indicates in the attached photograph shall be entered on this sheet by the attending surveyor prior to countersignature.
8:48
